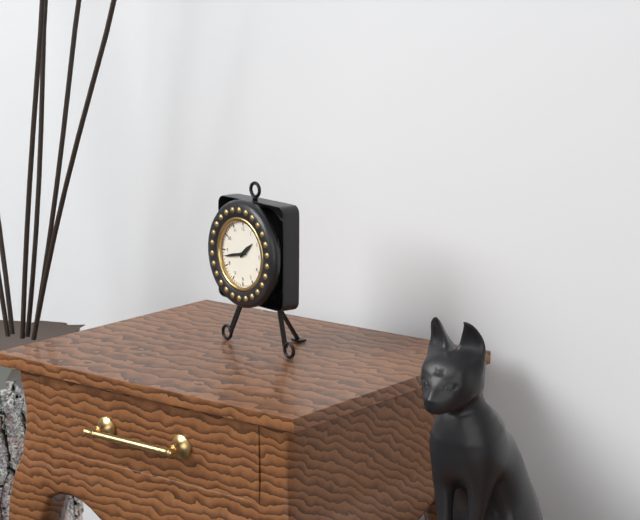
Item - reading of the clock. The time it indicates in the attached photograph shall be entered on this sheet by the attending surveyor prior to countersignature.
1:43
